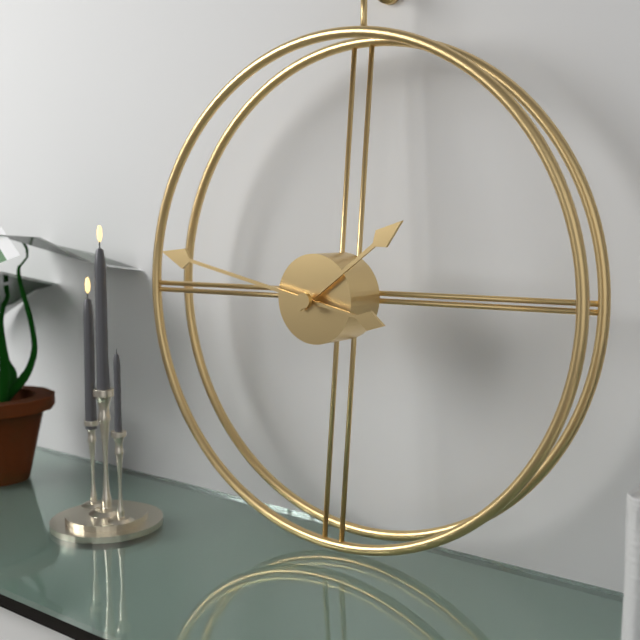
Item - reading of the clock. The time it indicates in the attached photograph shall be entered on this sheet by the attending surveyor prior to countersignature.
1:47
